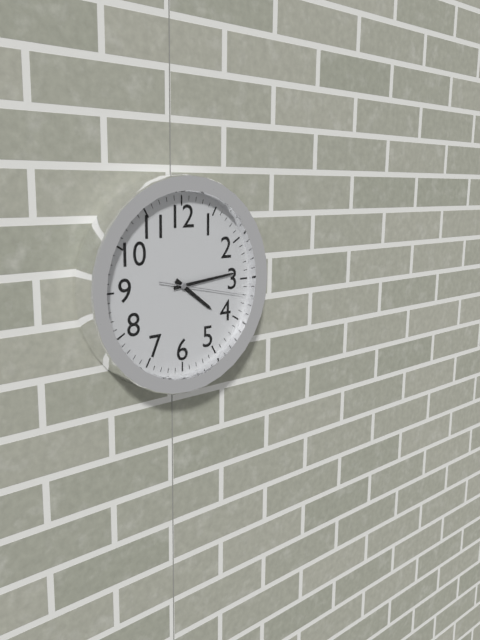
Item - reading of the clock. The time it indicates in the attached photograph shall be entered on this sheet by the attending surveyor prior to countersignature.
4:14:17
